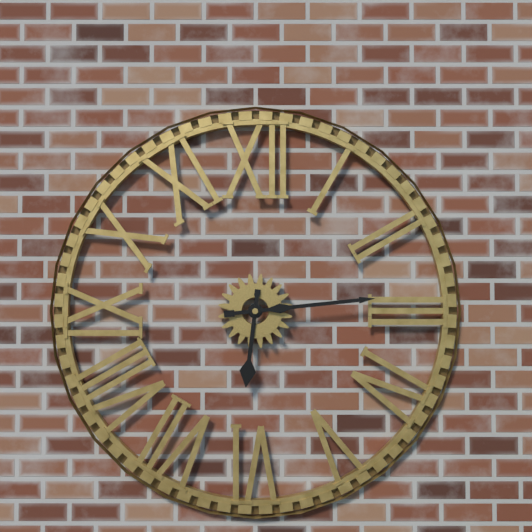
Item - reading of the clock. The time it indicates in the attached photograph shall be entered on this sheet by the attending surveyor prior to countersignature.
6:14
